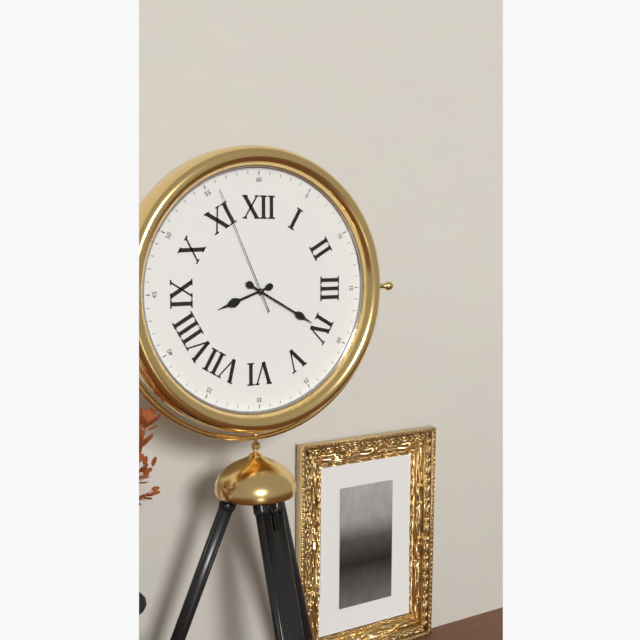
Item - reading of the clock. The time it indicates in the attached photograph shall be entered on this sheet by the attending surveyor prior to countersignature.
8:20:56
